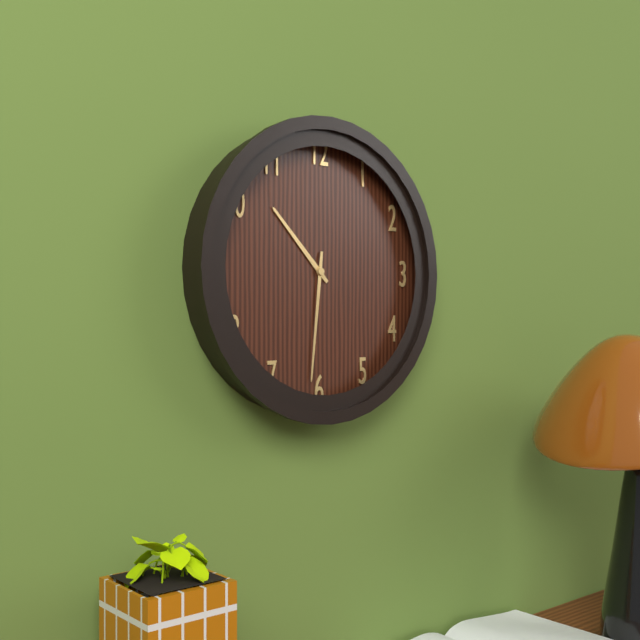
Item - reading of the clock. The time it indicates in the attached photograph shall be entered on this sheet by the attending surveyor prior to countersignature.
10:31
